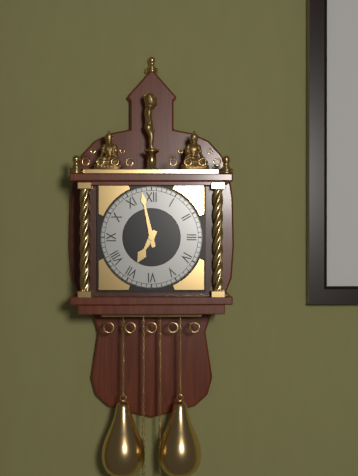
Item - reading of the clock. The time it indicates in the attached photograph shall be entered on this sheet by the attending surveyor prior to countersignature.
6:58
